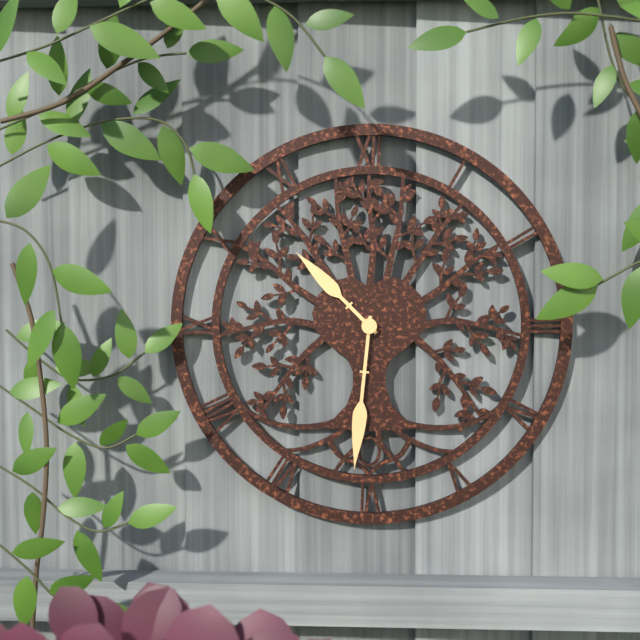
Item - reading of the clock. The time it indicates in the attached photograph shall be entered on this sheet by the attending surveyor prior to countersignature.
10:31
